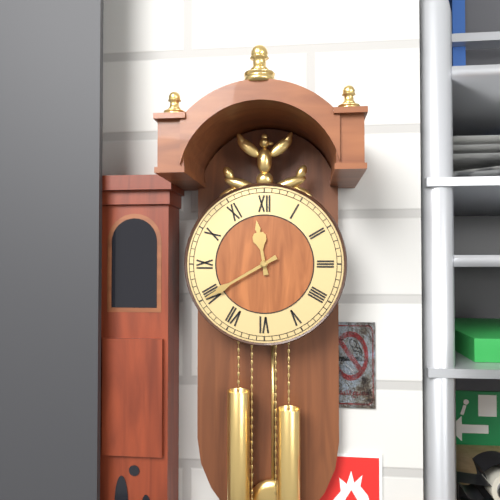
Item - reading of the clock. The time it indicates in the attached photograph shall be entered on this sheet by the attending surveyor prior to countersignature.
11:40
